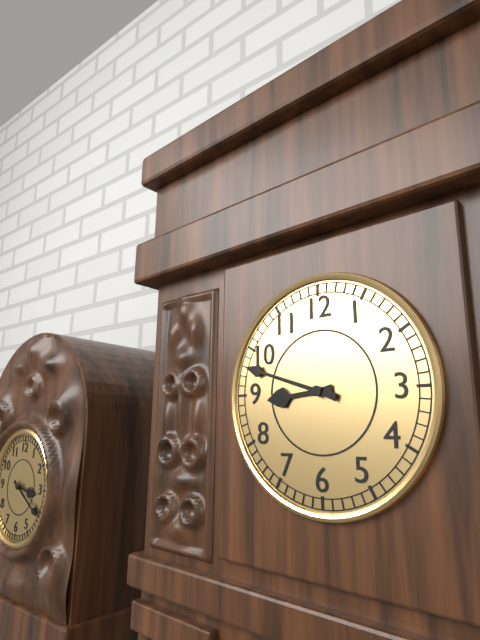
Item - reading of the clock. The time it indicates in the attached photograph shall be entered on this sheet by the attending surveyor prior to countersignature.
8:48
